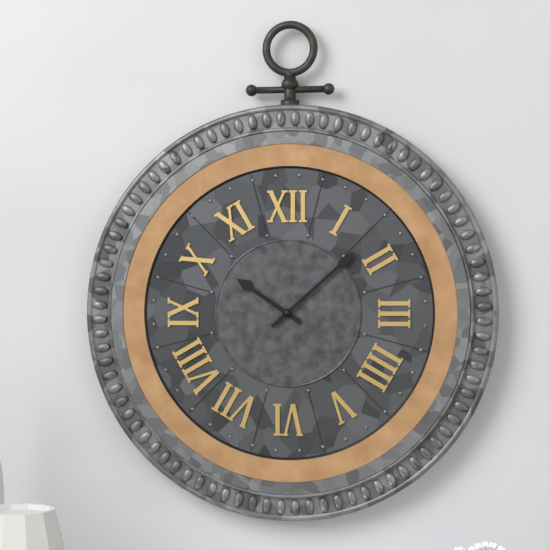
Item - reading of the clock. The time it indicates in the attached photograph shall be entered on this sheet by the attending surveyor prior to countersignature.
10:08
